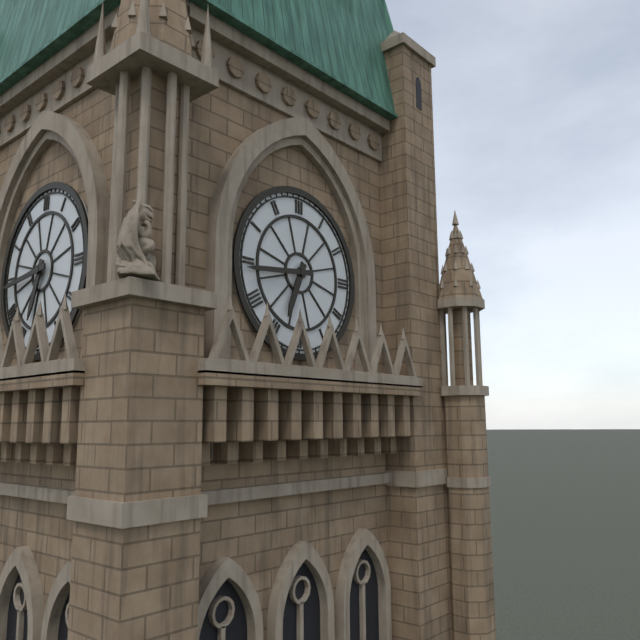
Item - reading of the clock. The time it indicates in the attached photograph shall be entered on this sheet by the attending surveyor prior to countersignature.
6:44
